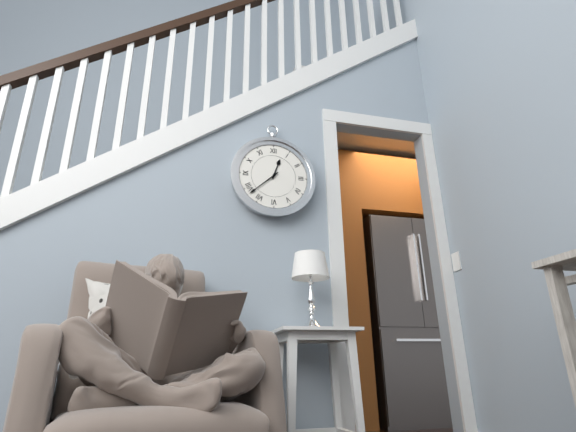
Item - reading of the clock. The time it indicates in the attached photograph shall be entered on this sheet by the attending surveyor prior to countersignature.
12:38
